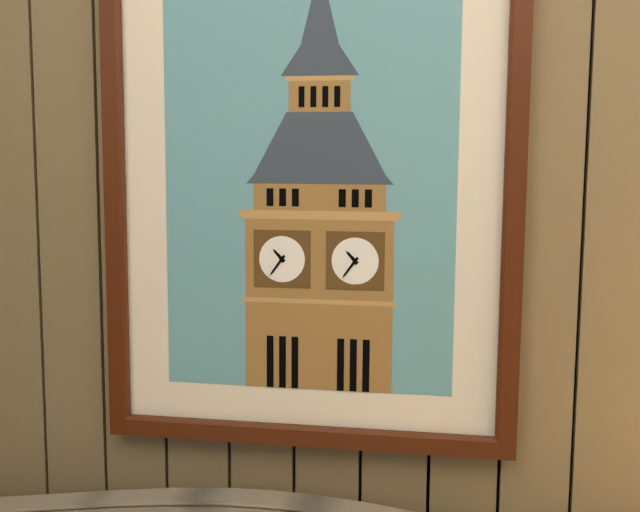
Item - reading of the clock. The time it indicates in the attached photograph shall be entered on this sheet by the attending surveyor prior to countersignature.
10:36
